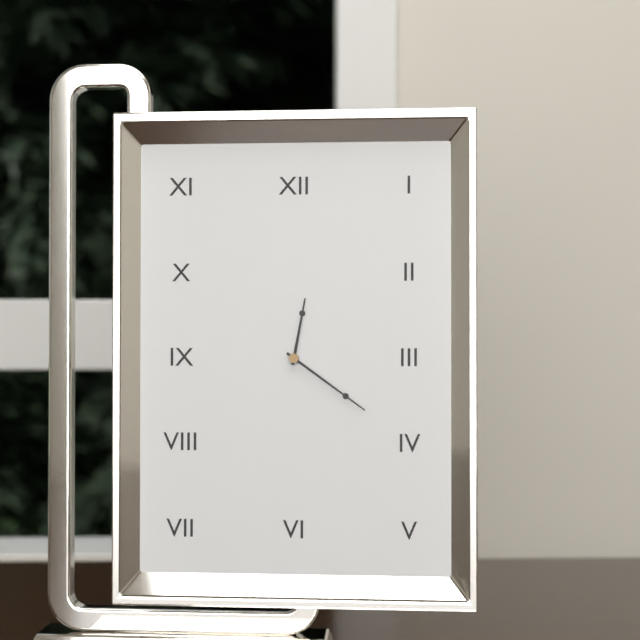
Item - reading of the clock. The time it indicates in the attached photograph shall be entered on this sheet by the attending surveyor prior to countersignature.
12:21
